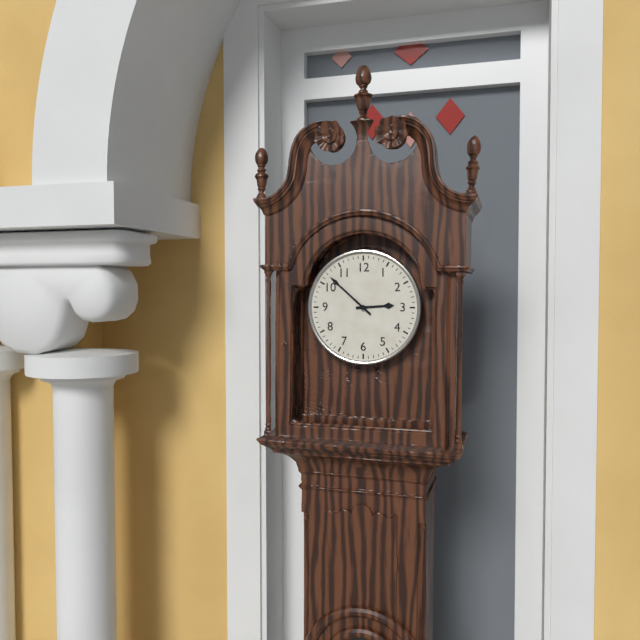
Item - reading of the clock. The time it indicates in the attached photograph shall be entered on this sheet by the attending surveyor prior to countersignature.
2:52
